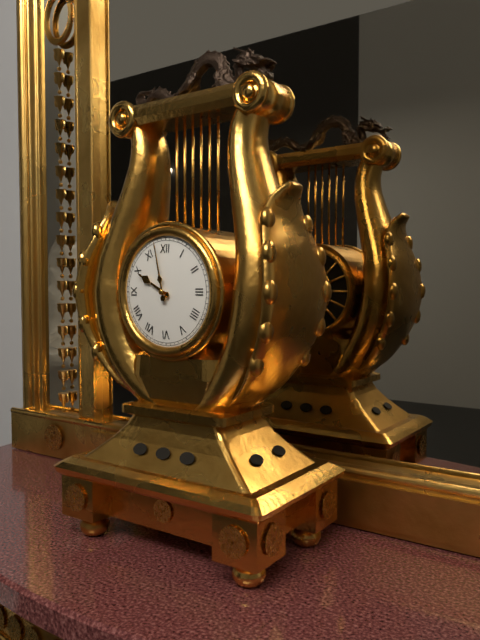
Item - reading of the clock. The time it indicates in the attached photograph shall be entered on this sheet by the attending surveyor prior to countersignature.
9:58
